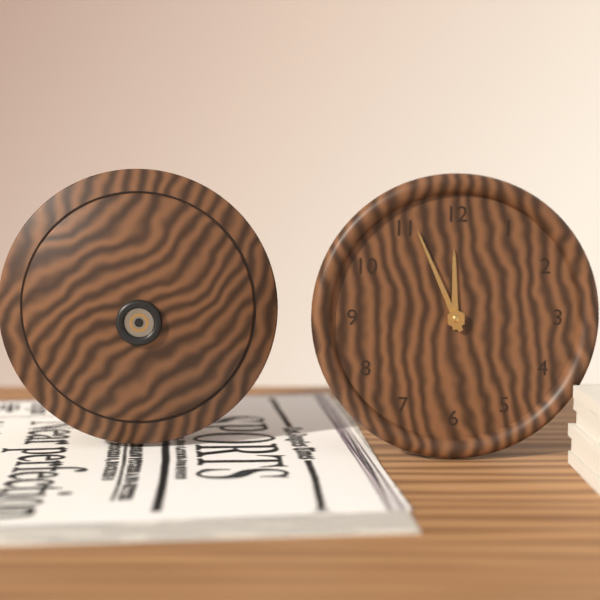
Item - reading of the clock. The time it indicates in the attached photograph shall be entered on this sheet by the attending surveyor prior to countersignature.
11:56
